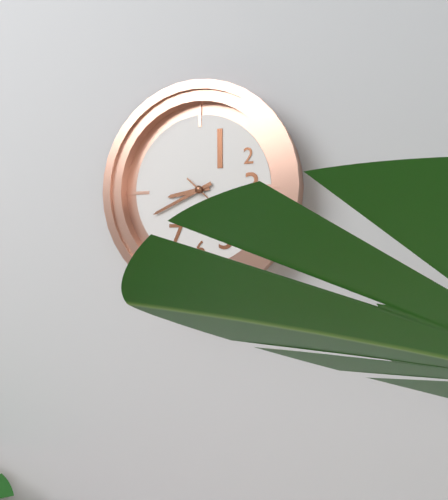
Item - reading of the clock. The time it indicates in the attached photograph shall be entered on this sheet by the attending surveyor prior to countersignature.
8:41
